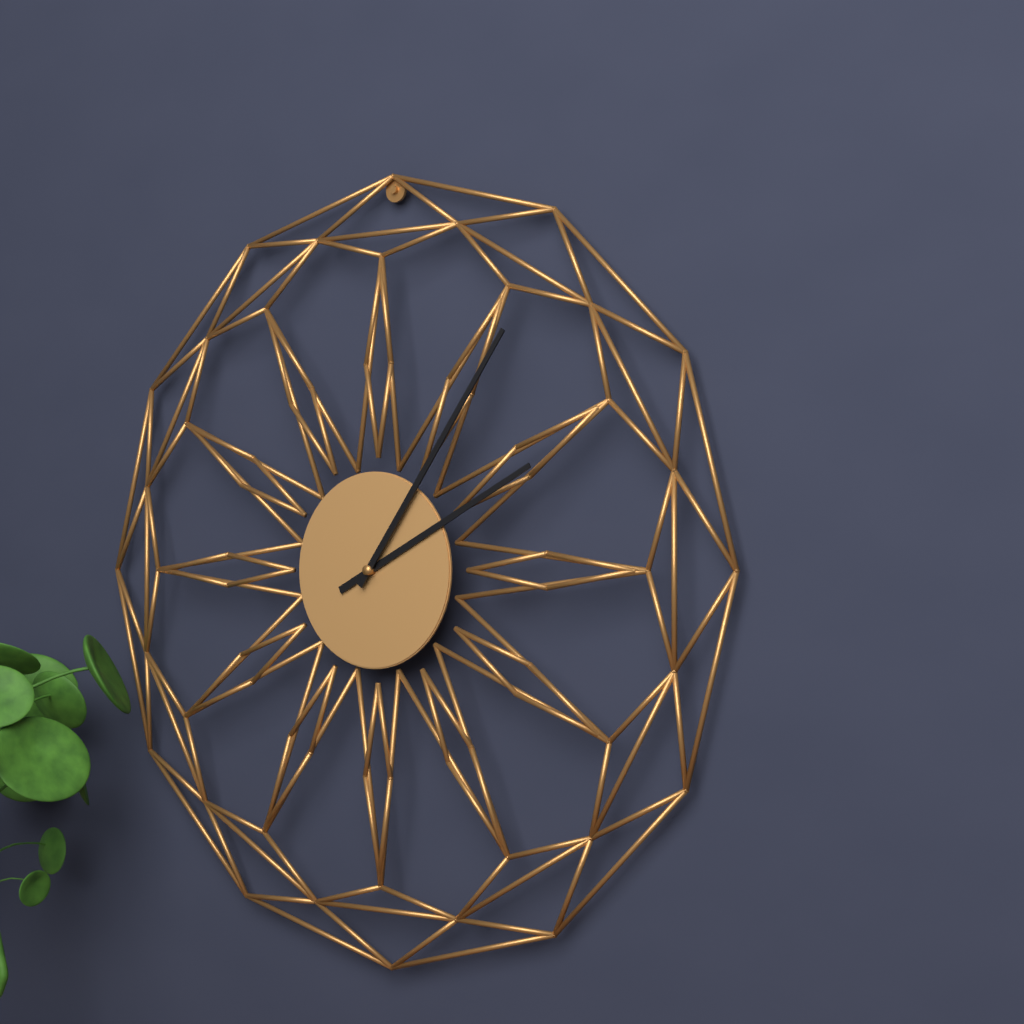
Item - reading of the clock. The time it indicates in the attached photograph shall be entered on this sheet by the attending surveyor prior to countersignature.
2:06
